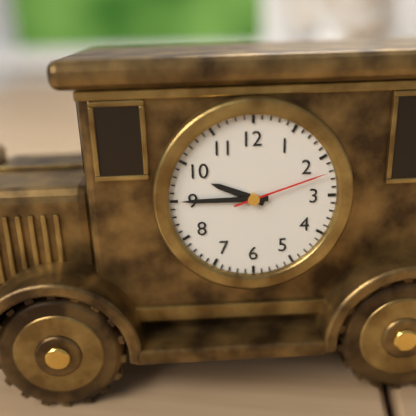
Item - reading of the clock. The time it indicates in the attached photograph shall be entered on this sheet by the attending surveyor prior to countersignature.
9:45:12
